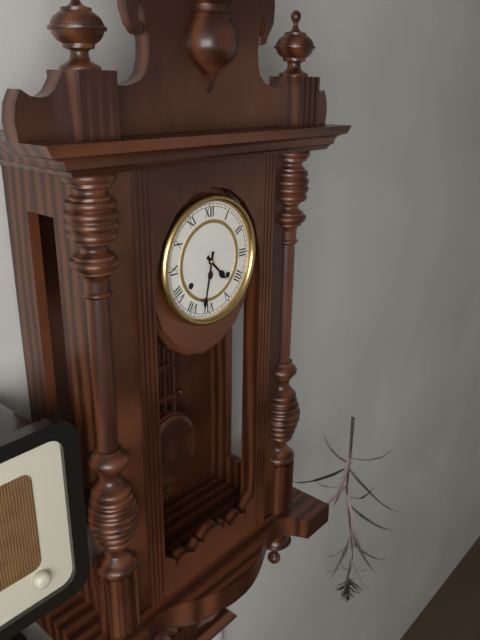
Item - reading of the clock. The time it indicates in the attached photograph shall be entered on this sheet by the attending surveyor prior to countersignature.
4:32
